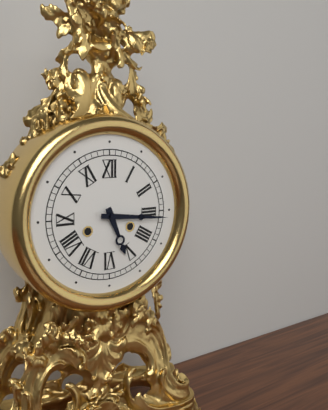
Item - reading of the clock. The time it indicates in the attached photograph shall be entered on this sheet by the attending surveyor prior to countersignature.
5:16
